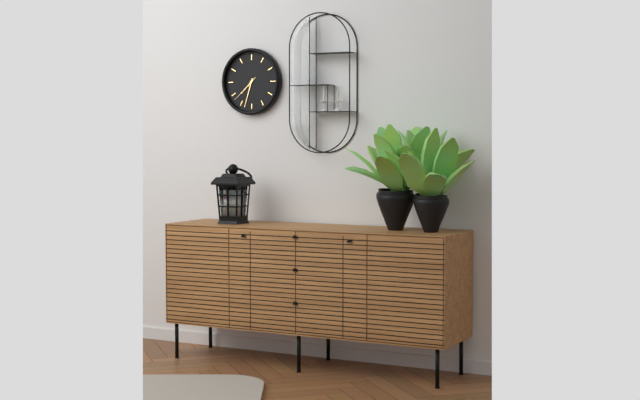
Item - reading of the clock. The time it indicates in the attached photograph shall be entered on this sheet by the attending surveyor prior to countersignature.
7:33
